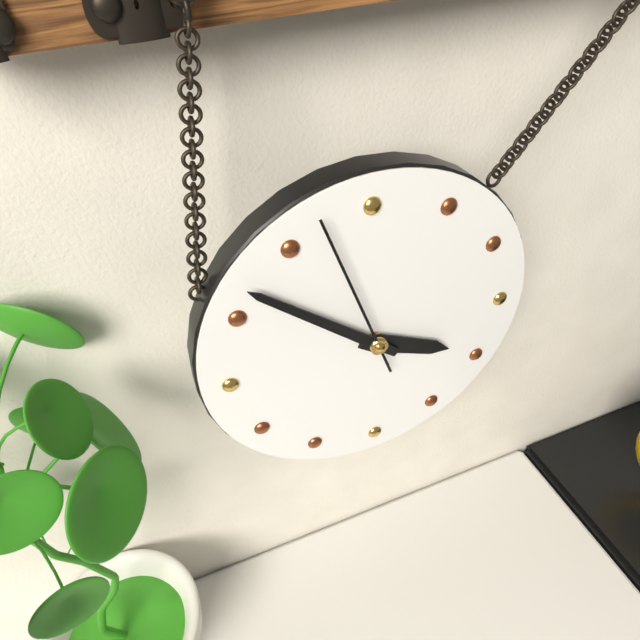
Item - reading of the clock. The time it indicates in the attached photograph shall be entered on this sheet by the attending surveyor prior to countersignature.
3:52:57
